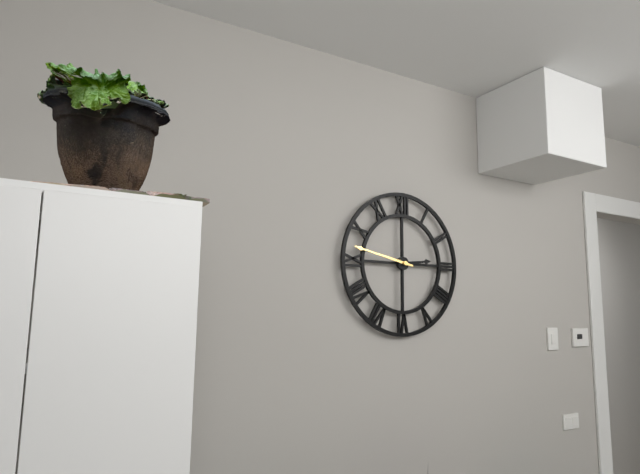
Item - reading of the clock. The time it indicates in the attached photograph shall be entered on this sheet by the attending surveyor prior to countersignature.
2:47
